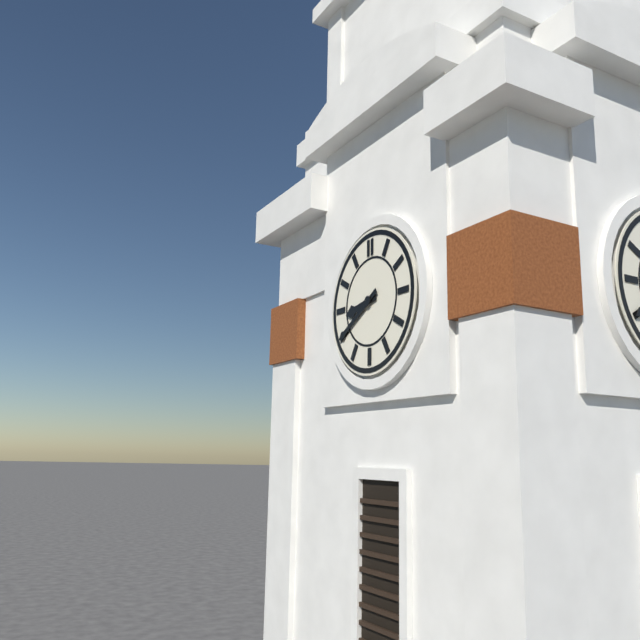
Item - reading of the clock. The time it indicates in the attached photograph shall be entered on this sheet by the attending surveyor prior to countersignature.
8:40
